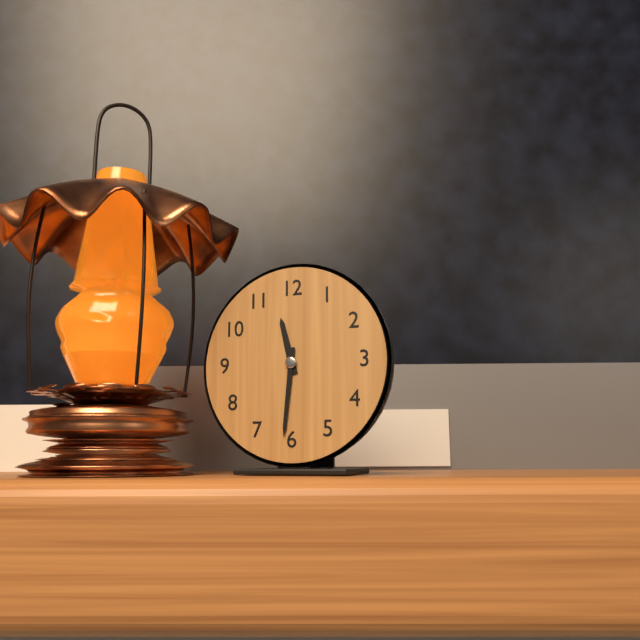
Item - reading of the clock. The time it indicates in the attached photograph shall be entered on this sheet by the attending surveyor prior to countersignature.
11:31
